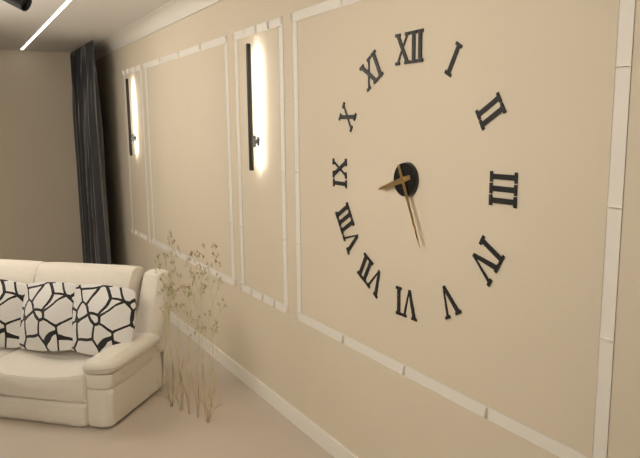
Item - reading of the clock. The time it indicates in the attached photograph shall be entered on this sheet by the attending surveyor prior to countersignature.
8:26
